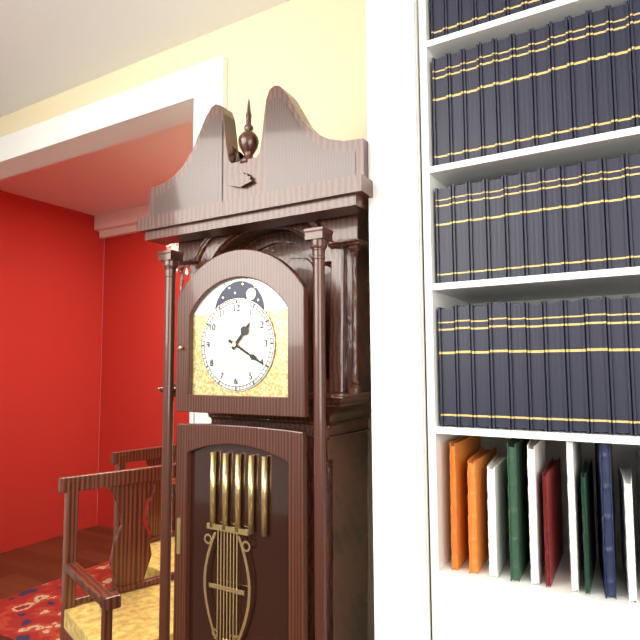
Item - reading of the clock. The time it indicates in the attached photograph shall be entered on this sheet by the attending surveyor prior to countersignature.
1:20
